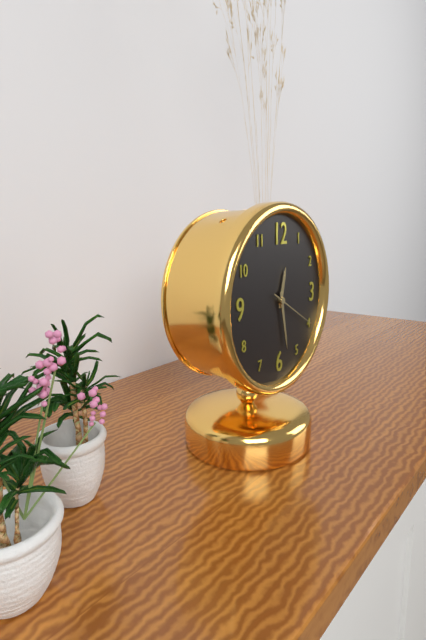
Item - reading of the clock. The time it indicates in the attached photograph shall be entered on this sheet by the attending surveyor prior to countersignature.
12:28:20
